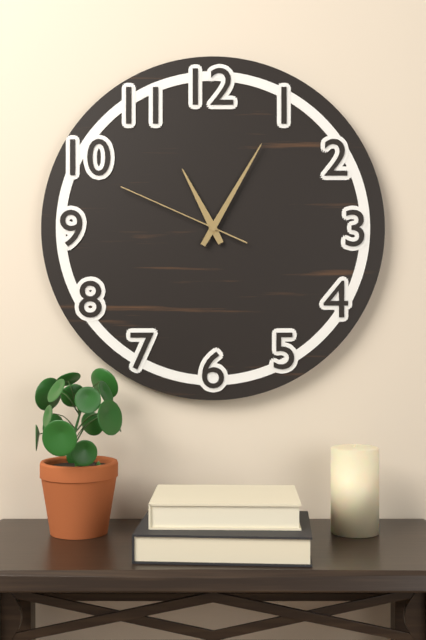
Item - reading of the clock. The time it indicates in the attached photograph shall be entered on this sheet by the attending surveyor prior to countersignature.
11:05:49
